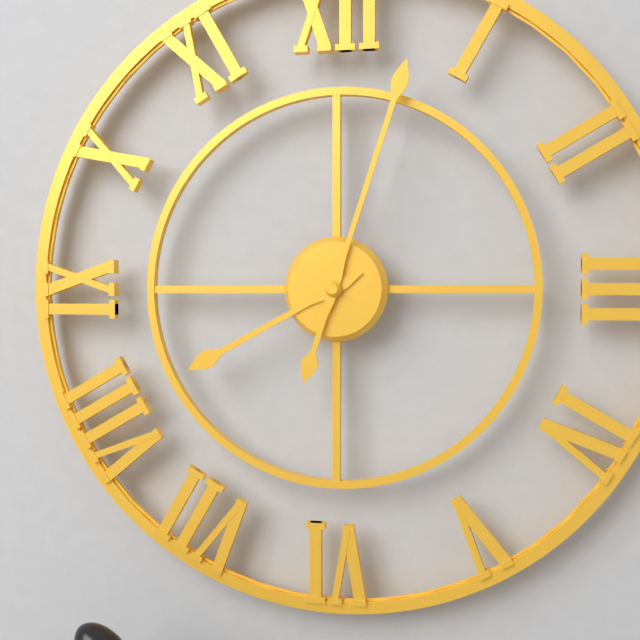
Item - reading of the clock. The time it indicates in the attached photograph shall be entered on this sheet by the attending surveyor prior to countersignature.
8:03
